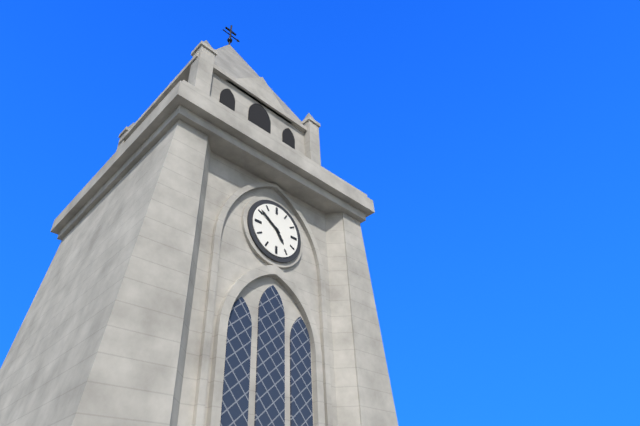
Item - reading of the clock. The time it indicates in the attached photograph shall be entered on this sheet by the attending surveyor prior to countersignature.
4:51
